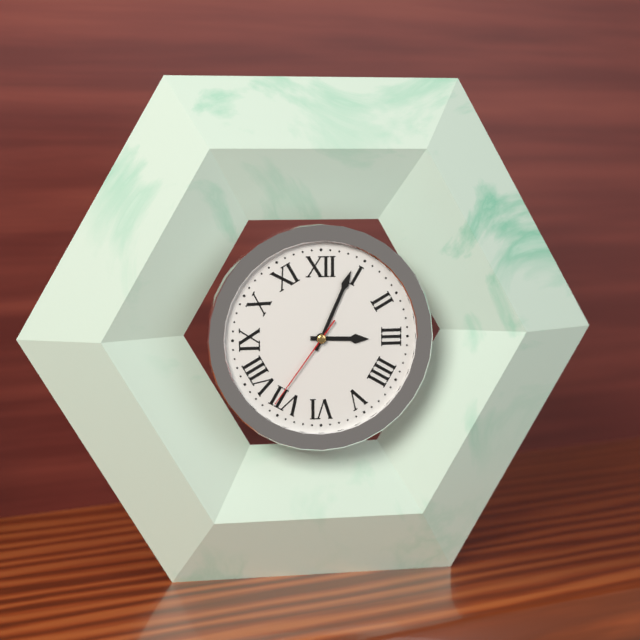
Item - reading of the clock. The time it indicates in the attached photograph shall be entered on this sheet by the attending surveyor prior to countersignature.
3:04:36
